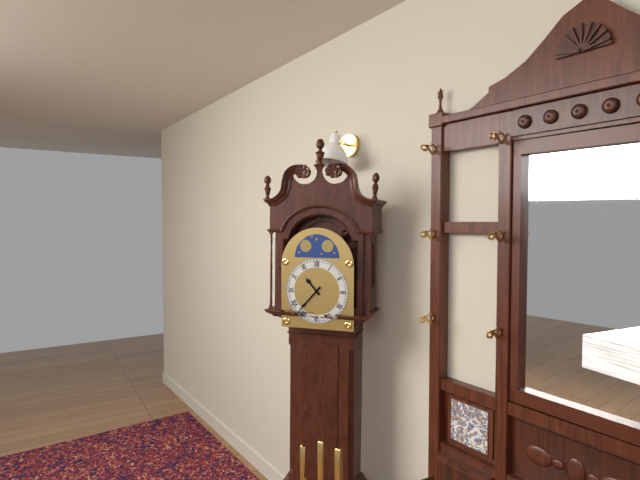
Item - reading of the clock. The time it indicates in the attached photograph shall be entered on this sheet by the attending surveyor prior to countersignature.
10:37
